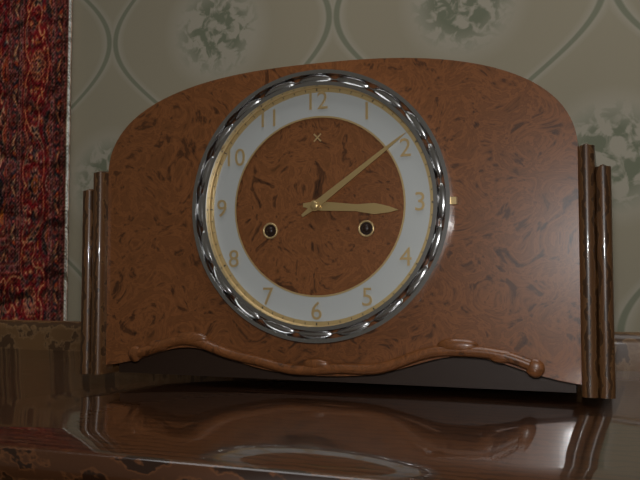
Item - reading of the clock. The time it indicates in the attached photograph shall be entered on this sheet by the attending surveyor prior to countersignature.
3:09
